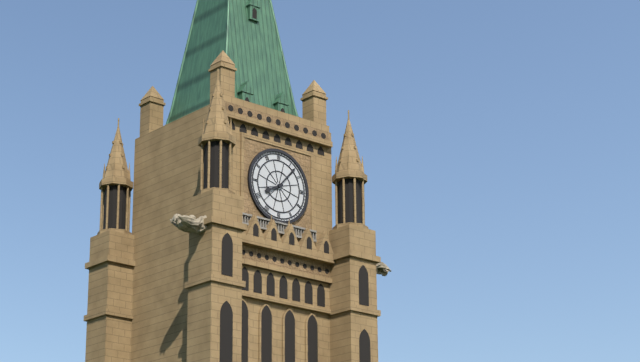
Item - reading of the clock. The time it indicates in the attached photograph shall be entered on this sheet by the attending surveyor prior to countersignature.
8:07
